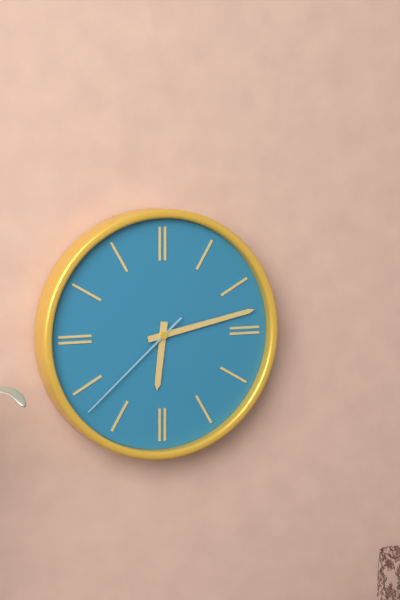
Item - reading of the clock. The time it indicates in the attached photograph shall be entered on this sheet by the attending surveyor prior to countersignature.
6:13:38
